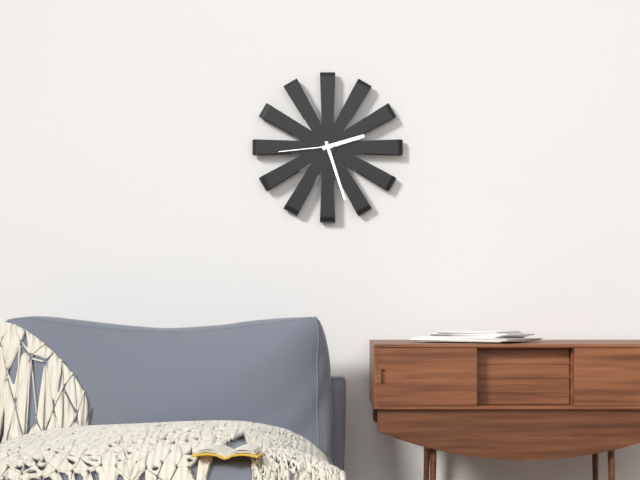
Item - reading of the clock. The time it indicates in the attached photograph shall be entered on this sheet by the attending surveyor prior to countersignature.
2:27:44
